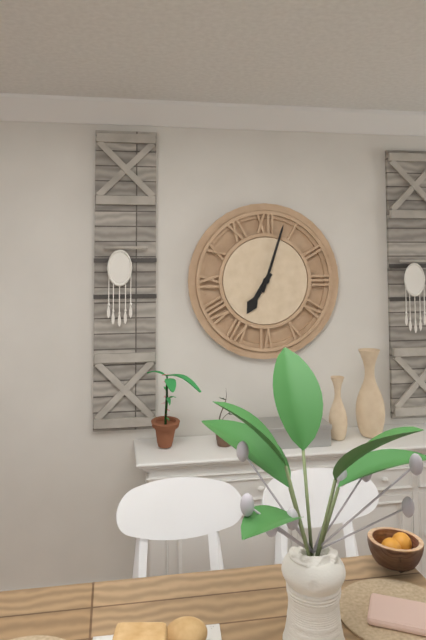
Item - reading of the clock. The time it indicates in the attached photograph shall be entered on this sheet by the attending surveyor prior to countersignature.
7:03
